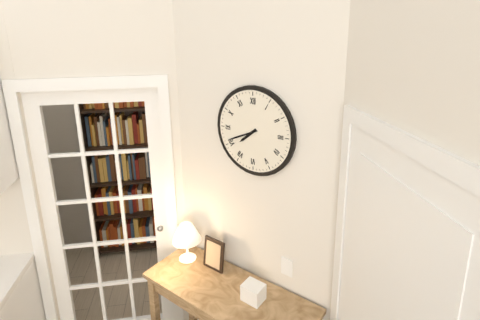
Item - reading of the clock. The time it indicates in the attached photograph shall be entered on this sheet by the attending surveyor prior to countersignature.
7:41
